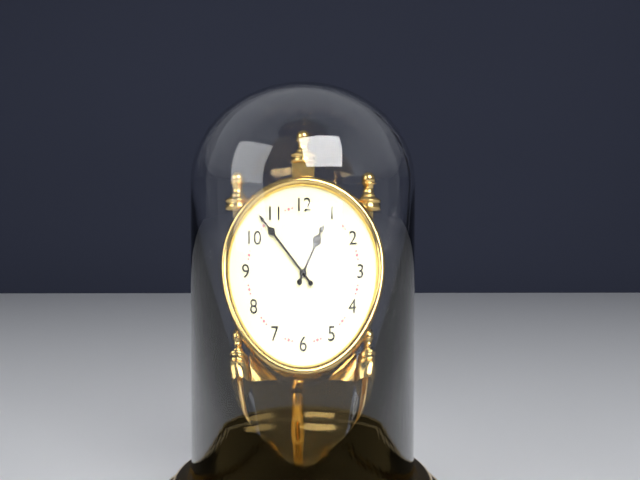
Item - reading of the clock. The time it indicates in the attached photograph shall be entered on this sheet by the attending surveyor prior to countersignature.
12:53
